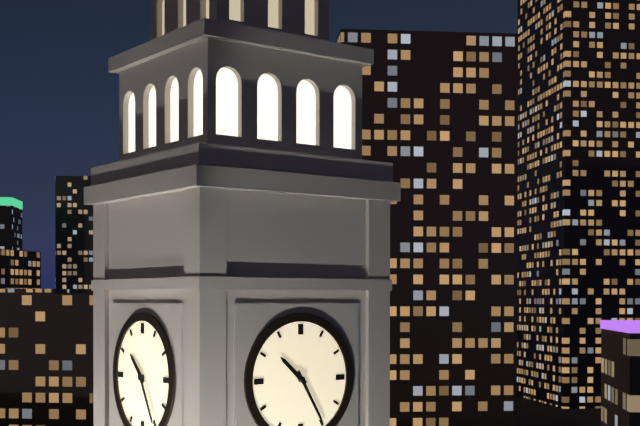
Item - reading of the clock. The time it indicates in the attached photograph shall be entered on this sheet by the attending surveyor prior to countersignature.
10:25
